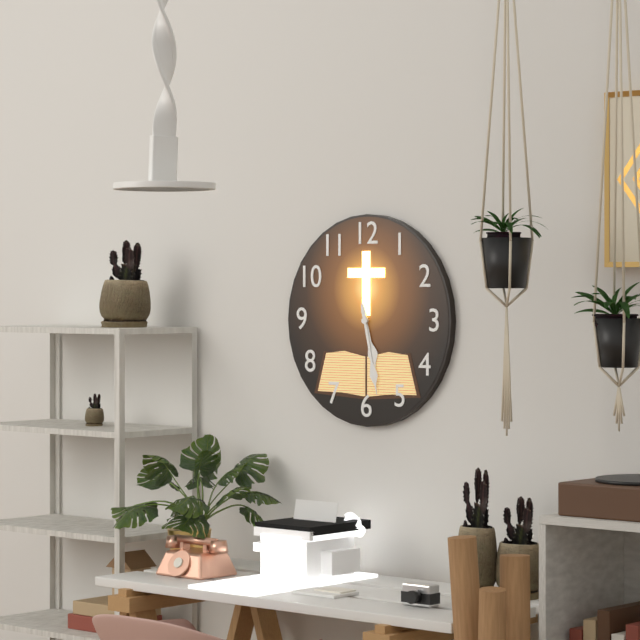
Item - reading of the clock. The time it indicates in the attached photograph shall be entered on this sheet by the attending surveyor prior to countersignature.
5:28
